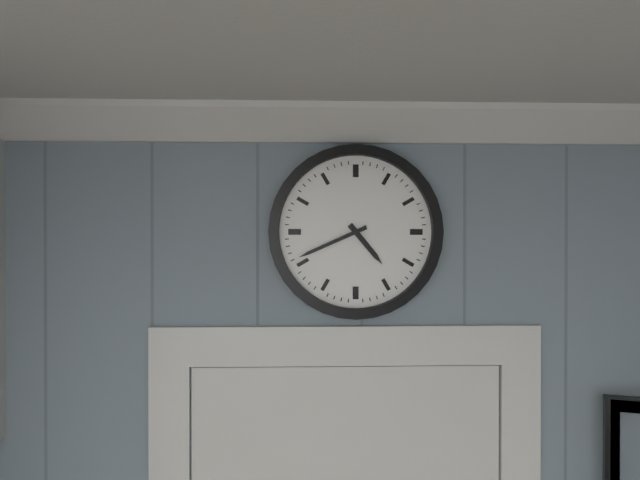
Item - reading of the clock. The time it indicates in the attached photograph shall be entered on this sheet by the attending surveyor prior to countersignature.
4:41
